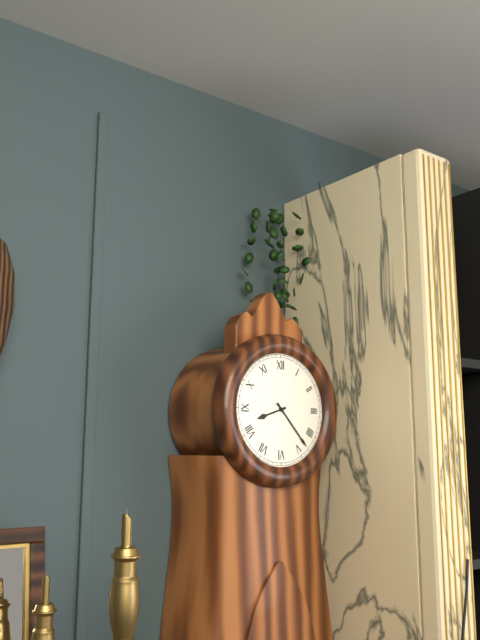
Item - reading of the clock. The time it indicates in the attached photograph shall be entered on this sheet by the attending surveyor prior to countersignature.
8:23
